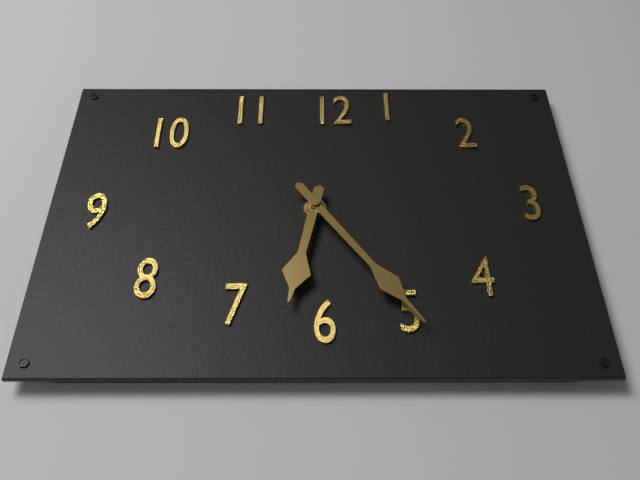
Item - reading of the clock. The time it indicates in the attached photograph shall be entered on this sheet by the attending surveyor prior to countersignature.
6:24
